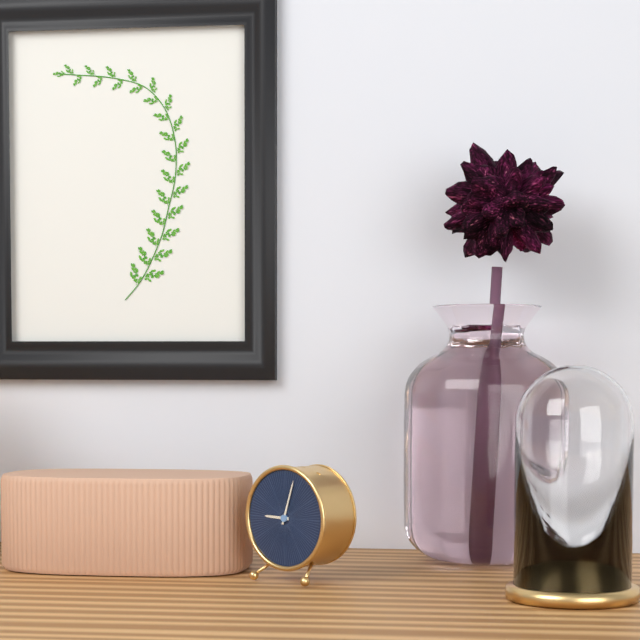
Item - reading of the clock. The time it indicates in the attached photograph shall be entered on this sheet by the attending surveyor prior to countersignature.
9:03
